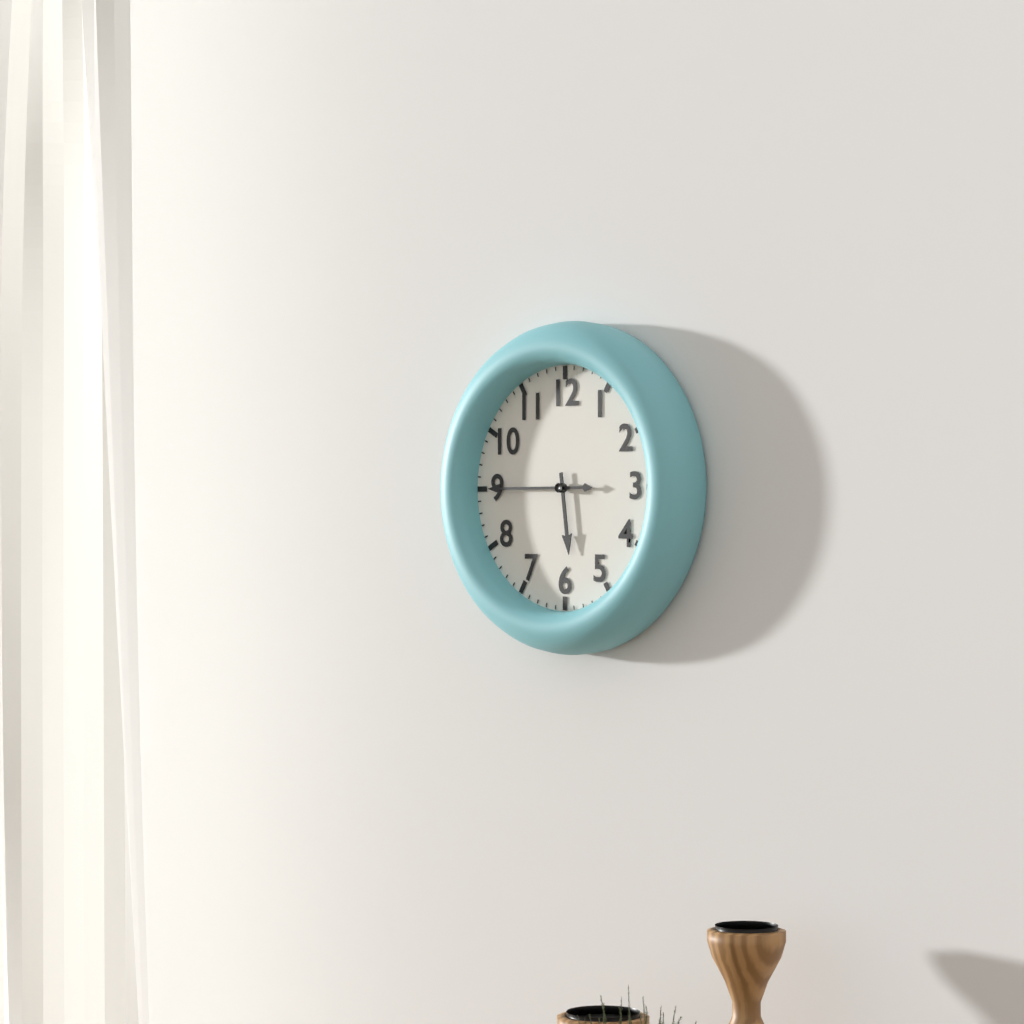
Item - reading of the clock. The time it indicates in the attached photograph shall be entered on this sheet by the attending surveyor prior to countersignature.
5:45
